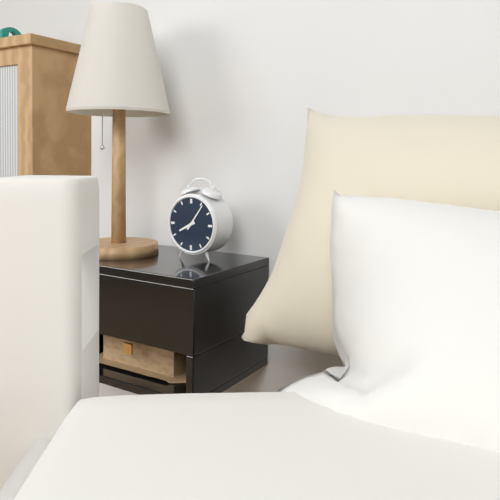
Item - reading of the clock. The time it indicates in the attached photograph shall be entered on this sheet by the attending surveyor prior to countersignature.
8:06
